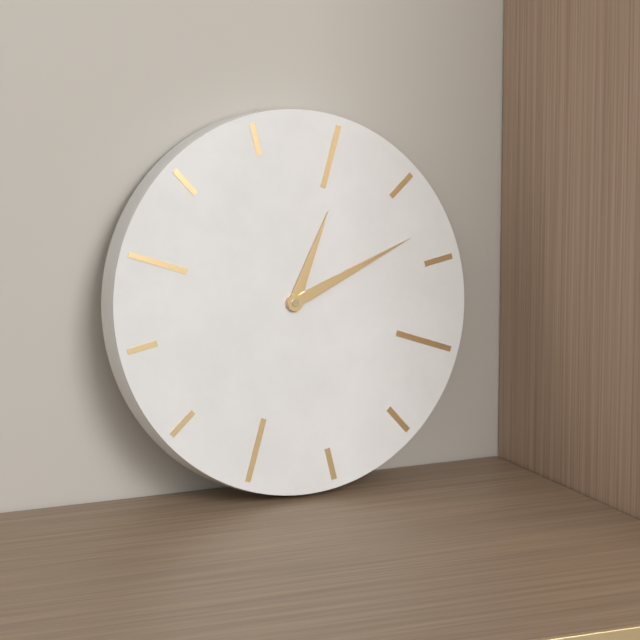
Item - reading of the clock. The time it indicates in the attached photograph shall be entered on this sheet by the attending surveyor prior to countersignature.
1:13
